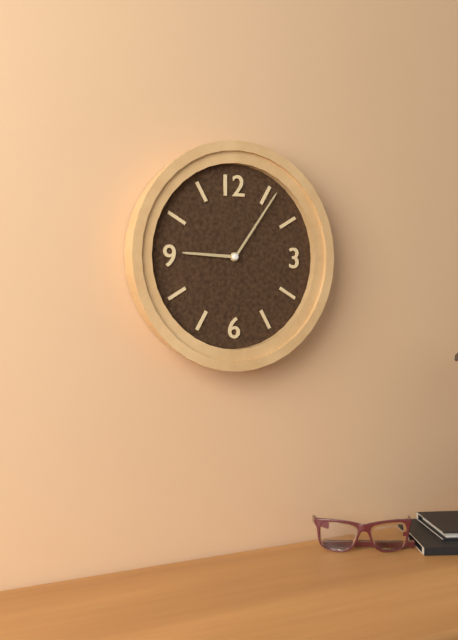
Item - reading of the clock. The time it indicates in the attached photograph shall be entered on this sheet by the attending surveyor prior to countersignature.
9:06
